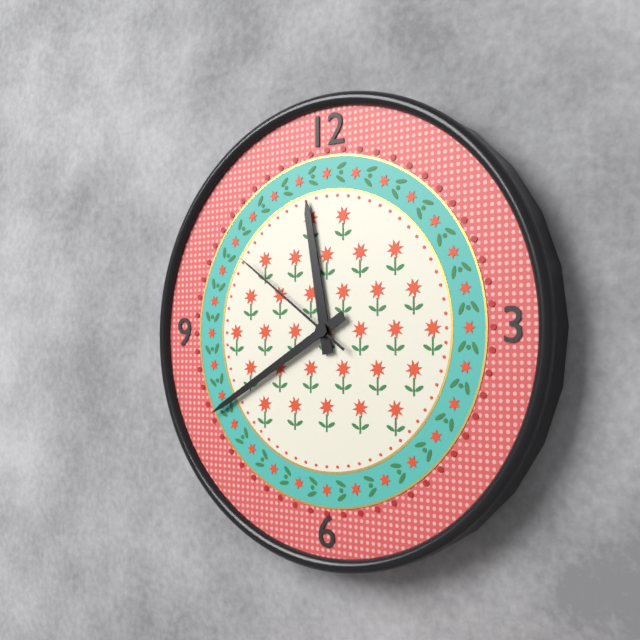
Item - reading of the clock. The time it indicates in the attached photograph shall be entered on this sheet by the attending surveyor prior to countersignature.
11:40:51
